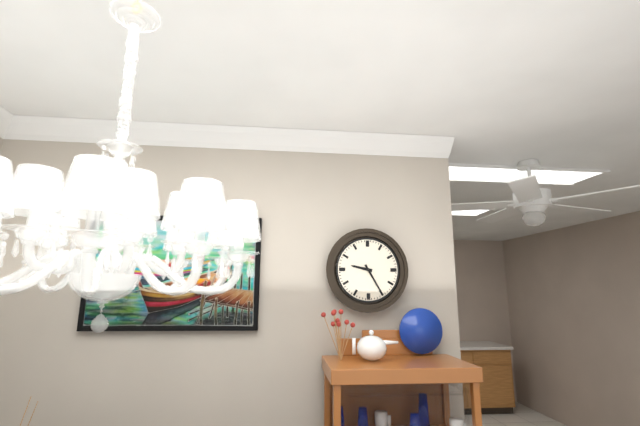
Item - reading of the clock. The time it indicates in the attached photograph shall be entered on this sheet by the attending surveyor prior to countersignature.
9:25
